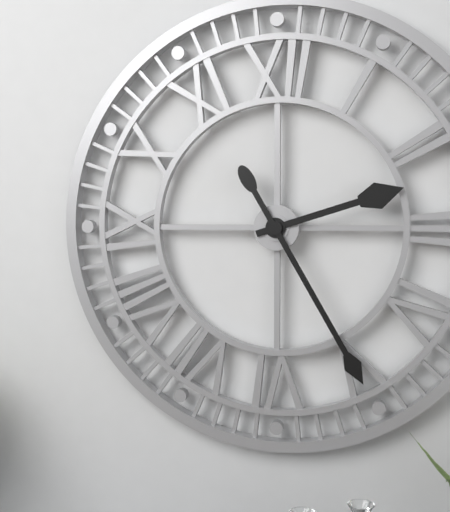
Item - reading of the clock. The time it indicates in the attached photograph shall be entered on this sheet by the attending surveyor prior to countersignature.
2:25
